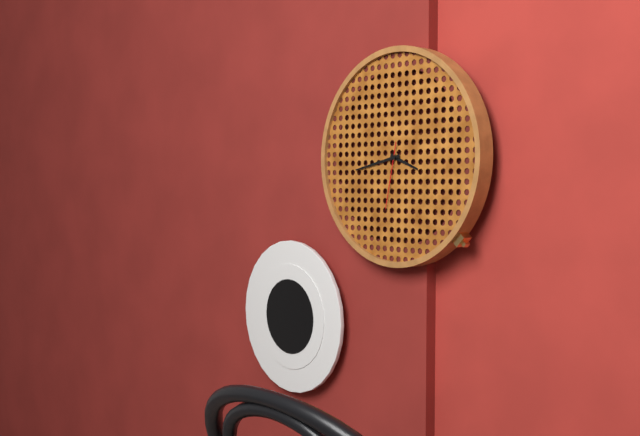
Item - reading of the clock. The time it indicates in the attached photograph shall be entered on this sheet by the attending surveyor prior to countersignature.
3:43:32
